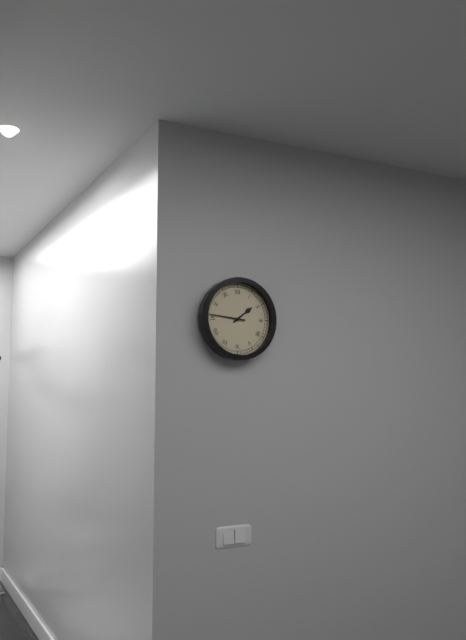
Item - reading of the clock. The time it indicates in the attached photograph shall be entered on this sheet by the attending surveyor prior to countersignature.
1:46
